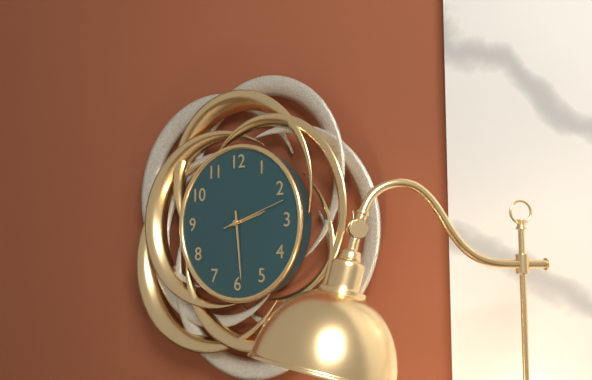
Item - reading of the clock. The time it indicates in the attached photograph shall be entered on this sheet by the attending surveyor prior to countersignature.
2:29:12
